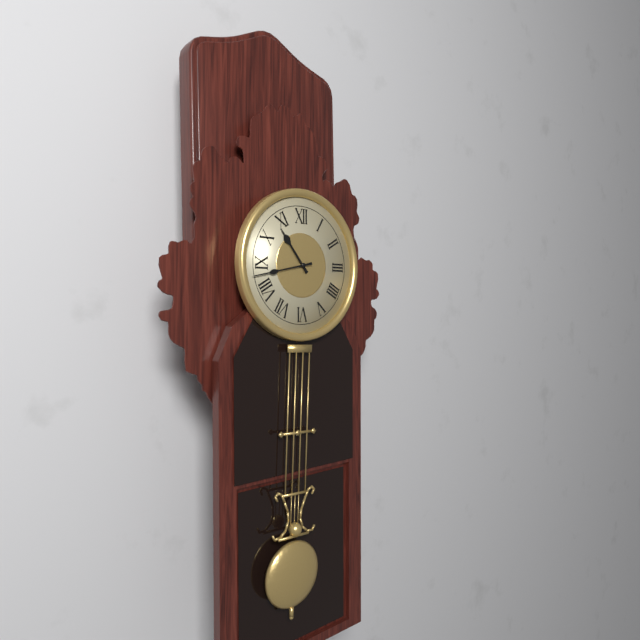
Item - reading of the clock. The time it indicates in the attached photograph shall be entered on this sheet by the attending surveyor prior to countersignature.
10:43
